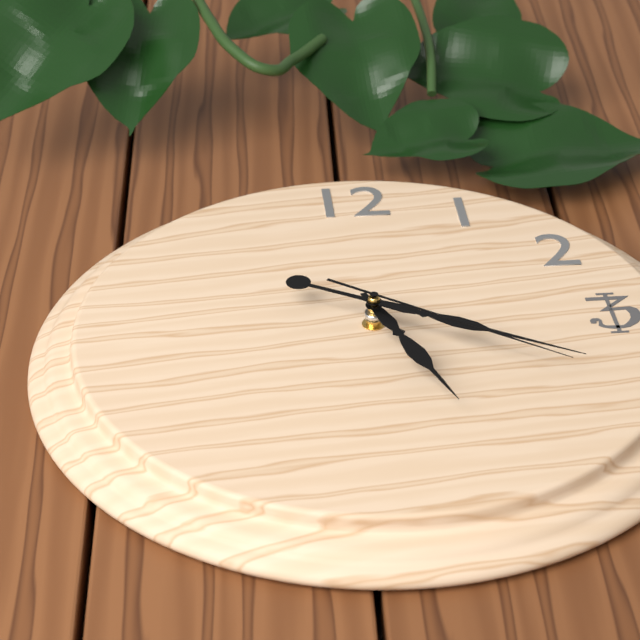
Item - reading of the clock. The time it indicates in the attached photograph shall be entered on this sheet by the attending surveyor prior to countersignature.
5:20:21
